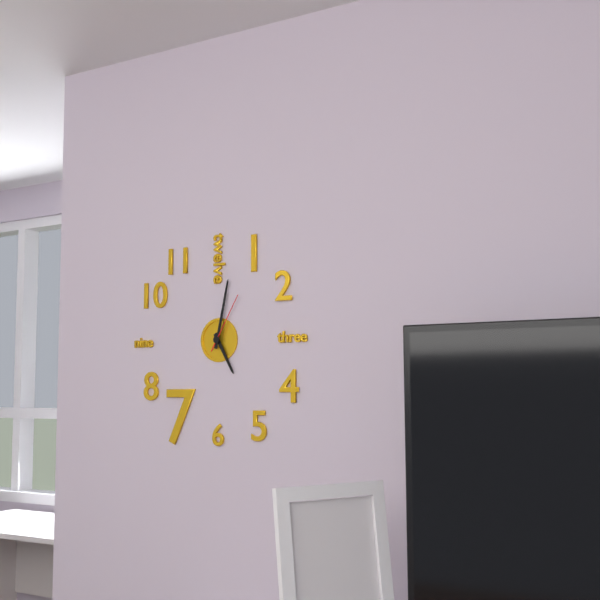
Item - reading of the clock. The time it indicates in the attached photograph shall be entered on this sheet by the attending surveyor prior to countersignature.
5:02:05
